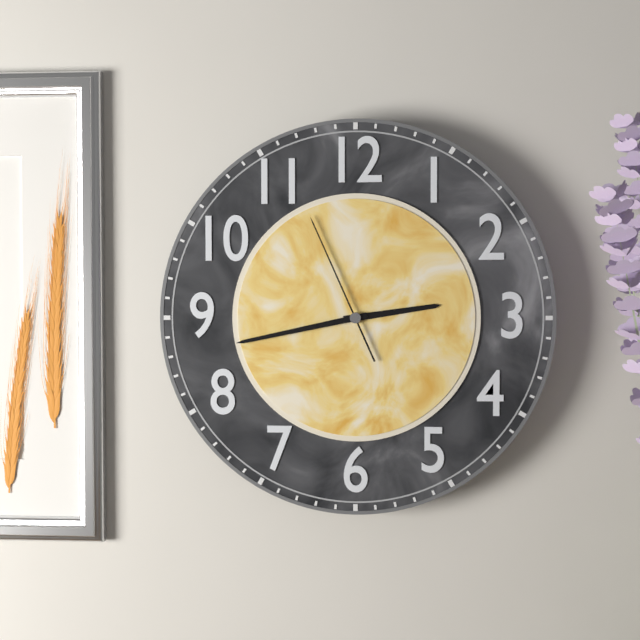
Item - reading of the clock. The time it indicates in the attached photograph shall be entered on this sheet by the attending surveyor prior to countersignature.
2:43:56
